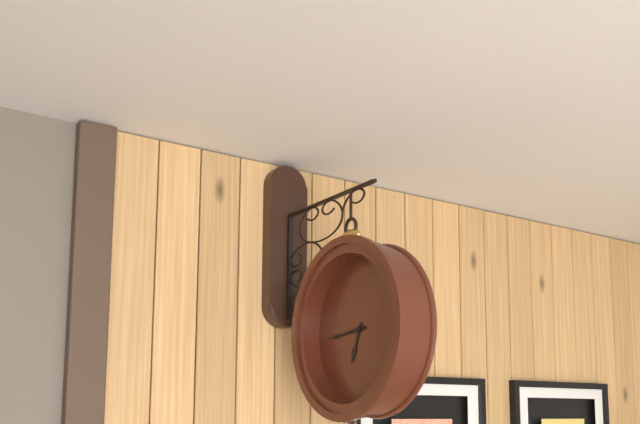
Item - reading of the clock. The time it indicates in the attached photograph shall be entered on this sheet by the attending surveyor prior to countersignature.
6:44
